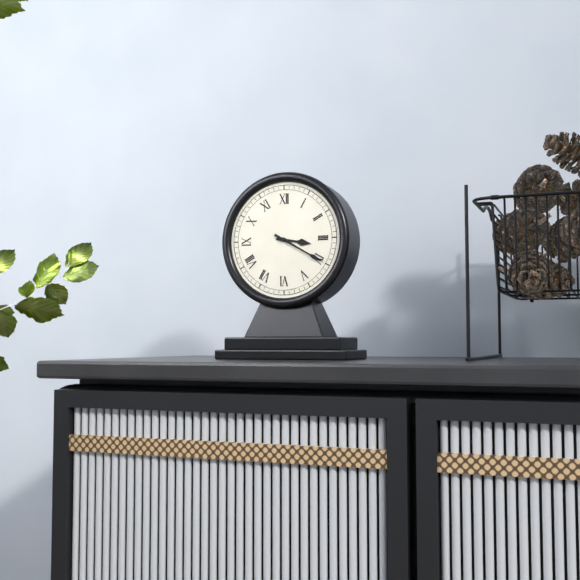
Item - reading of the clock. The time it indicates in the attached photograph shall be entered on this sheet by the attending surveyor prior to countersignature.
3:20
